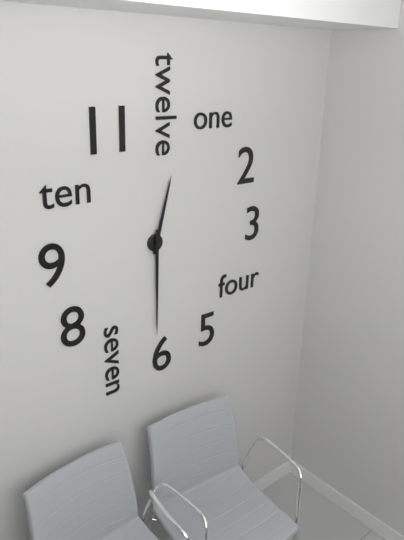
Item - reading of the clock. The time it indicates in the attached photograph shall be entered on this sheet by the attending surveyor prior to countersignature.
12:30
